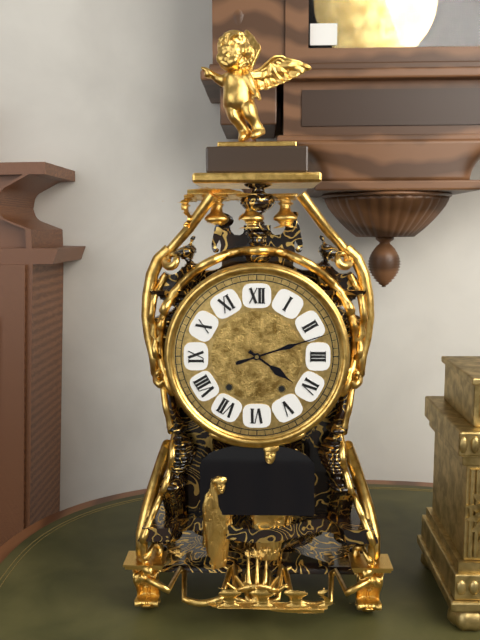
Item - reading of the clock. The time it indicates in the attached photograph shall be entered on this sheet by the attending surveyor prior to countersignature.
4:12
